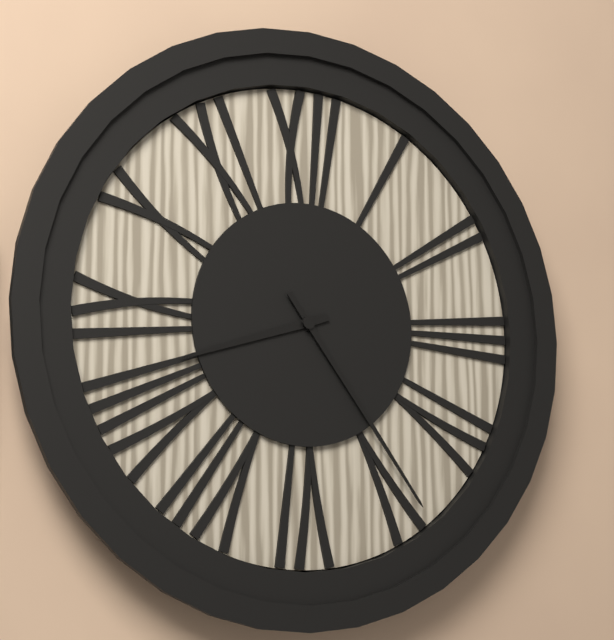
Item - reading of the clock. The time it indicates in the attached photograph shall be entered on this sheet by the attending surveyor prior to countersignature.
8:24
